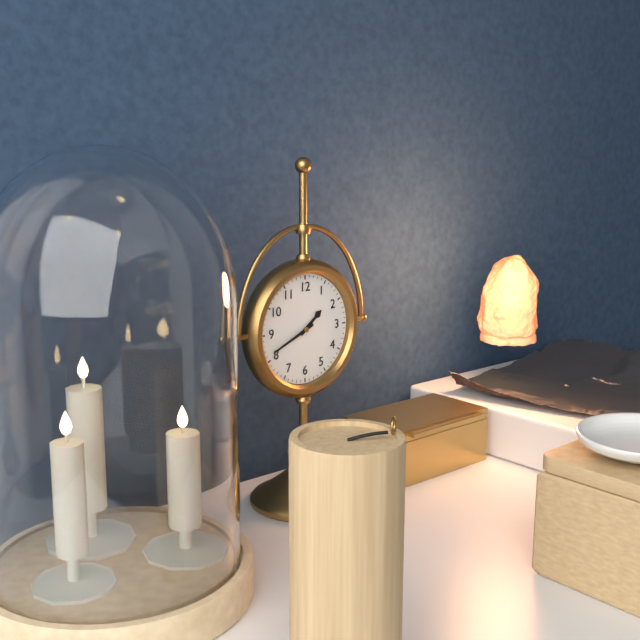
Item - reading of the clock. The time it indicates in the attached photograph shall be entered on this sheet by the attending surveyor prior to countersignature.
1:41
